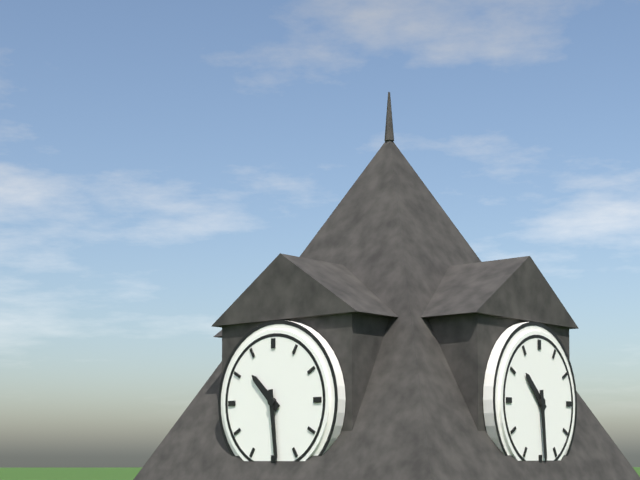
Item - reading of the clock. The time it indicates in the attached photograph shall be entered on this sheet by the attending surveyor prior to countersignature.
10:29
